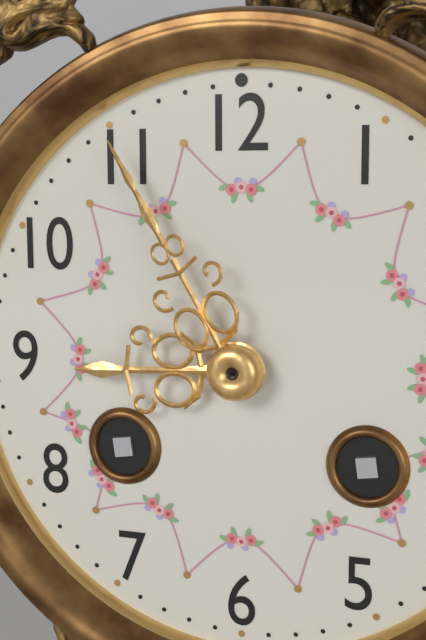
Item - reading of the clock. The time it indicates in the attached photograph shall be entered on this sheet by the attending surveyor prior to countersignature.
8:55
